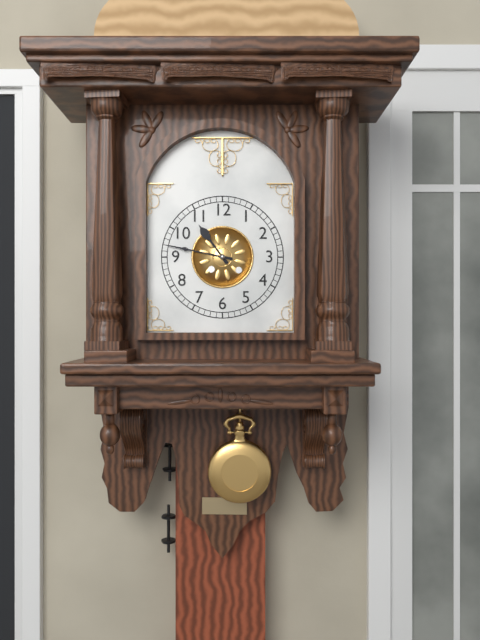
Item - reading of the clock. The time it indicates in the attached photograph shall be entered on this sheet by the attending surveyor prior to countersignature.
10:47
